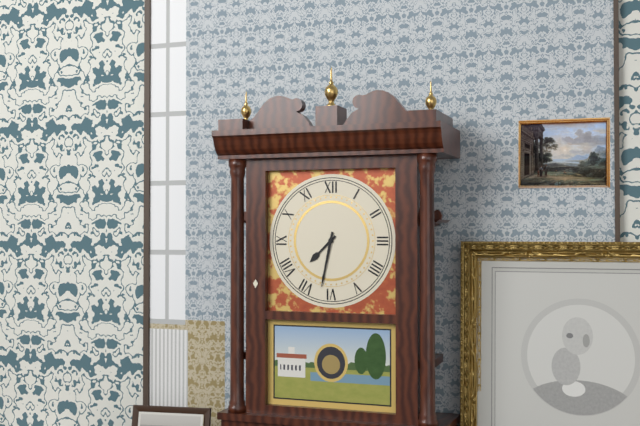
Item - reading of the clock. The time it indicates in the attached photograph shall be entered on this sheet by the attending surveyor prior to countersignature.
7:32
